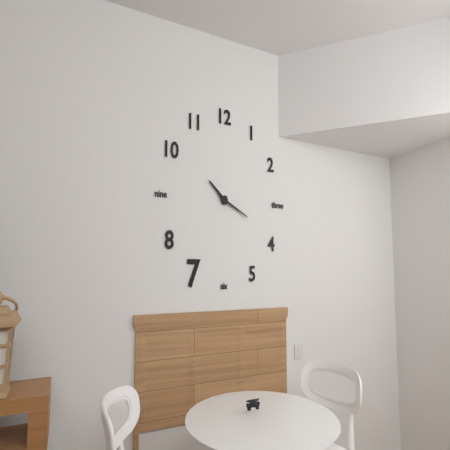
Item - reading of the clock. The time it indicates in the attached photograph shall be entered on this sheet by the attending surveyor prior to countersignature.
10:19
